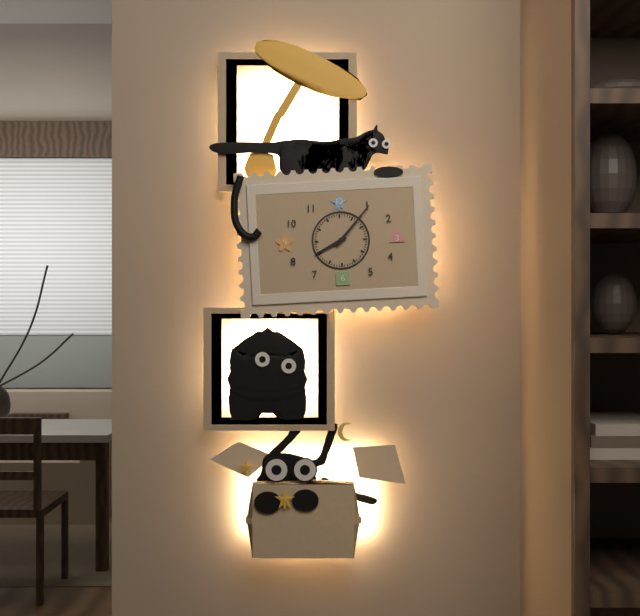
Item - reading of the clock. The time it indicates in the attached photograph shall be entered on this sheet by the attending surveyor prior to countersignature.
8:07
